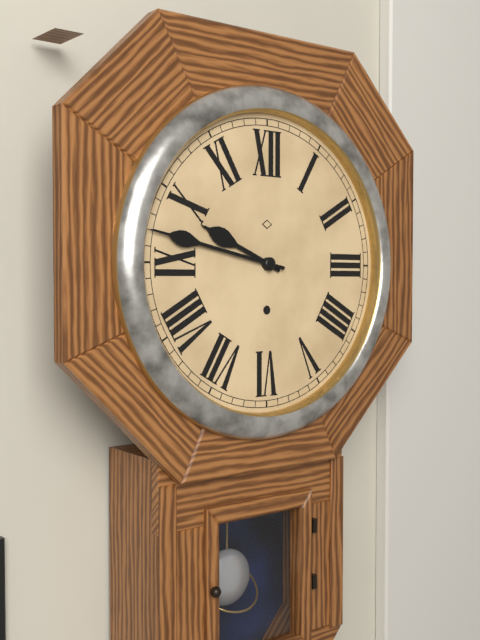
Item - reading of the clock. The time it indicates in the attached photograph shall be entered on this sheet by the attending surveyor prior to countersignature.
9:47
